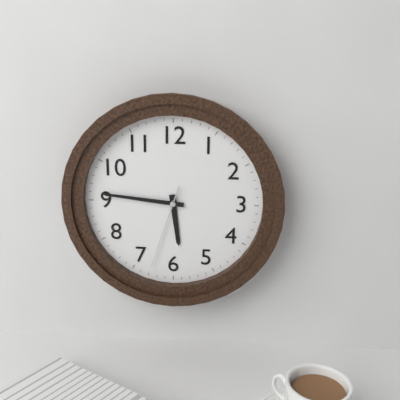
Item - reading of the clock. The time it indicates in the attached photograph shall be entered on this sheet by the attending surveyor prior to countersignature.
5:46:33
